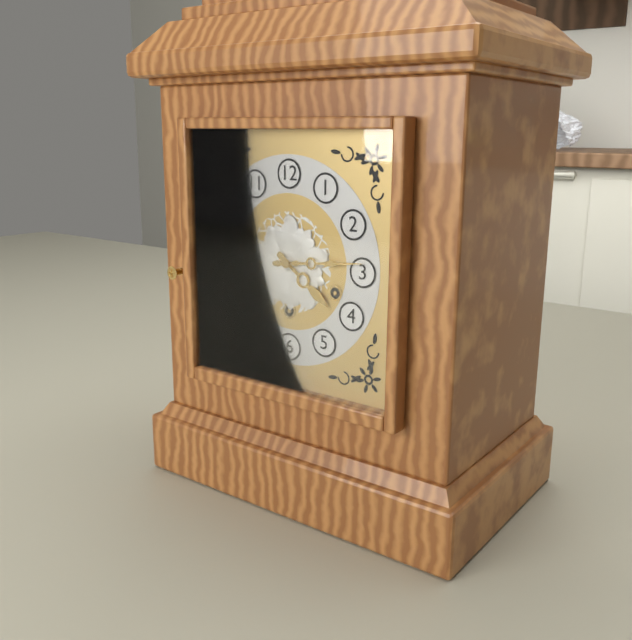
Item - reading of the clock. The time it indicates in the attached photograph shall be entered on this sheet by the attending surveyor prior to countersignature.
4:14
